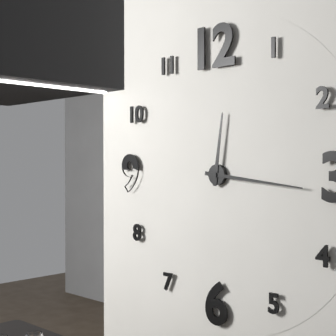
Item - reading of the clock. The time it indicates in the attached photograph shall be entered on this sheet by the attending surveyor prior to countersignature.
12:16
